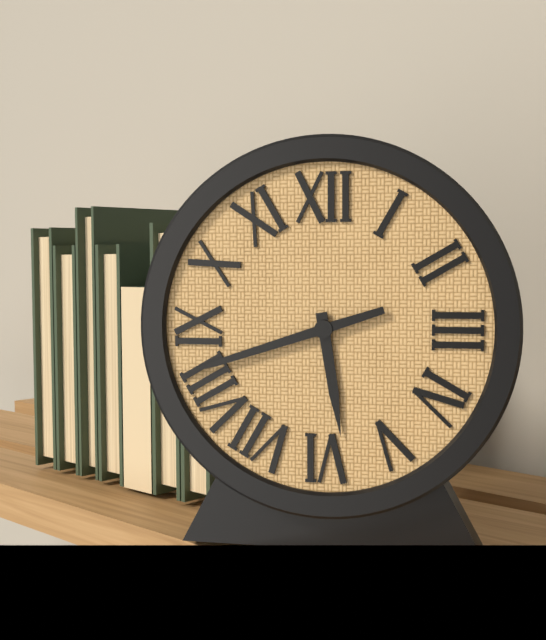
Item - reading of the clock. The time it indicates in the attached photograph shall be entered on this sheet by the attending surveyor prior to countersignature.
5:42
